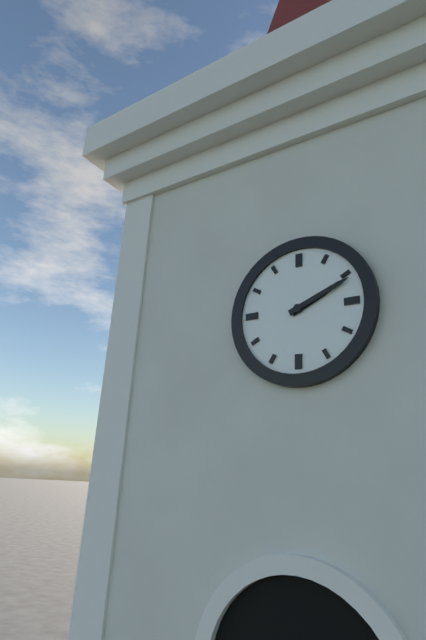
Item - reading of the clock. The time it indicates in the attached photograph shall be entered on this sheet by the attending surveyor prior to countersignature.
2:11
